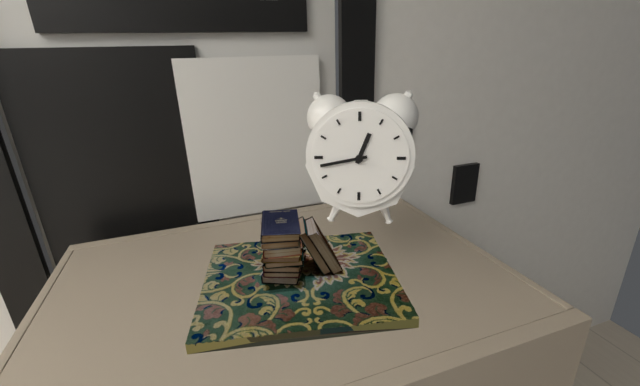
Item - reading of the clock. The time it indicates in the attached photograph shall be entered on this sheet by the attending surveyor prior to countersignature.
12:43
